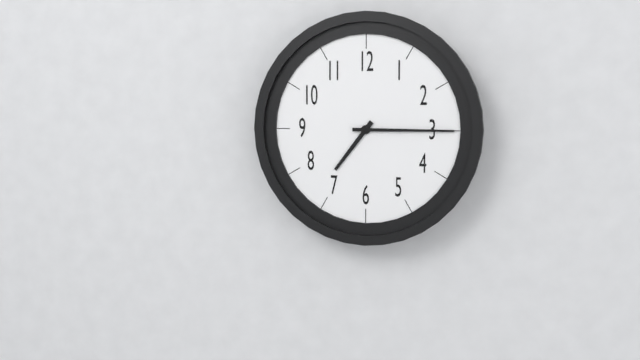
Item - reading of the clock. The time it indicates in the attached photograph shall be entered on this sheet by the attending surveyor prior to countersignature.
7:15
